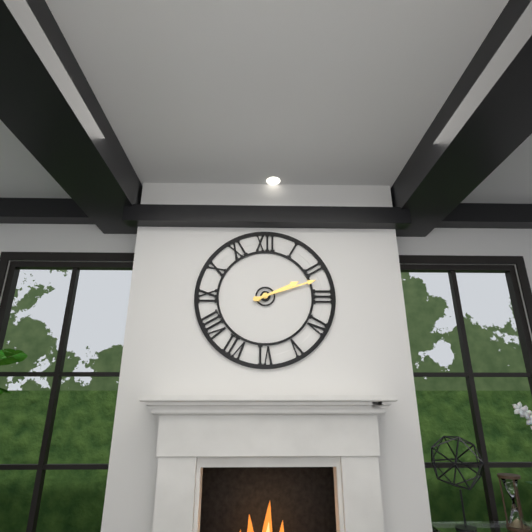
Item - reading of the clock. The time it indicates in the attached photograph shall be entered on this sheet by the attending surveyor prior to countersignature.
2:12
